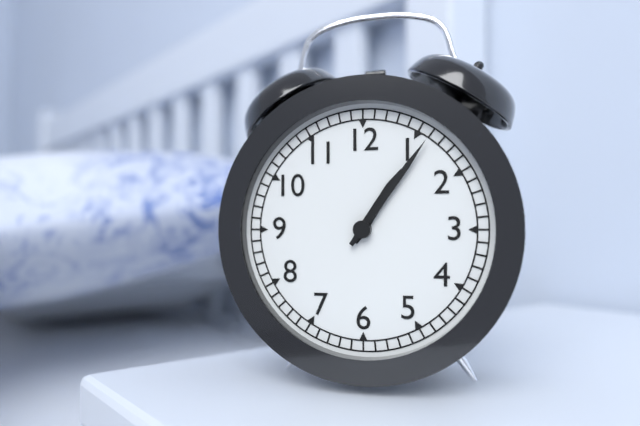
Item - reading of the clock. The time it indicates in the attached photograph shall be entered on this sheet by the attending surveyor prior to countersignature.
1:06
